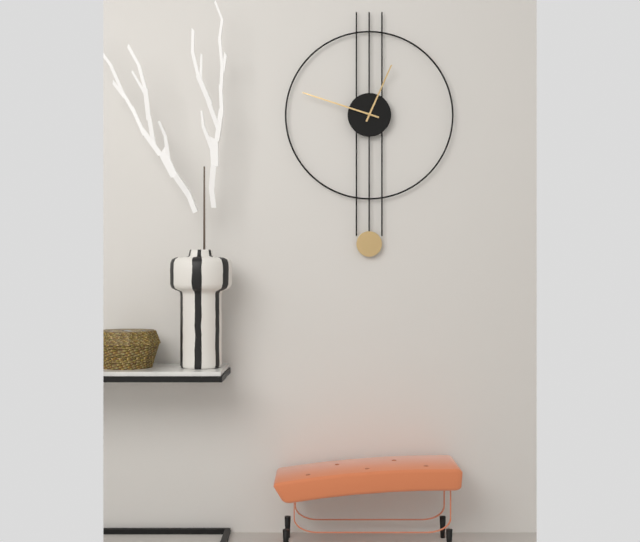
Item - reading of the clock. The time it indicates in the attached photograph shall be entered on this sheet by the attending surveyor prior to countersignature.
12:48
